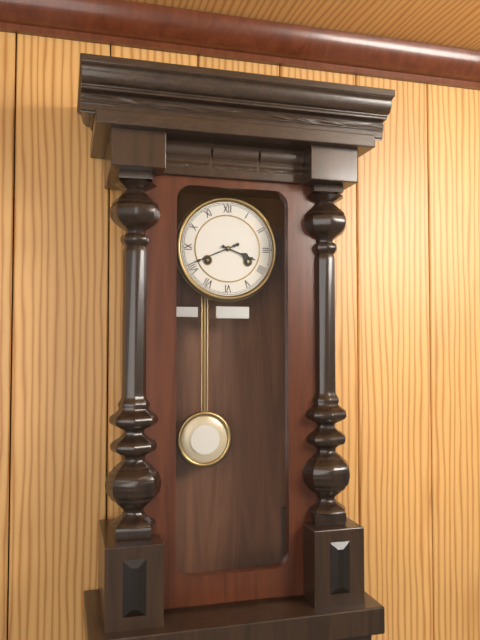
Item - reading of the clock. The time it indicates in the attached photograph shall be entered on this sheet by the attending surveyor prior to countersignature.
3:41
